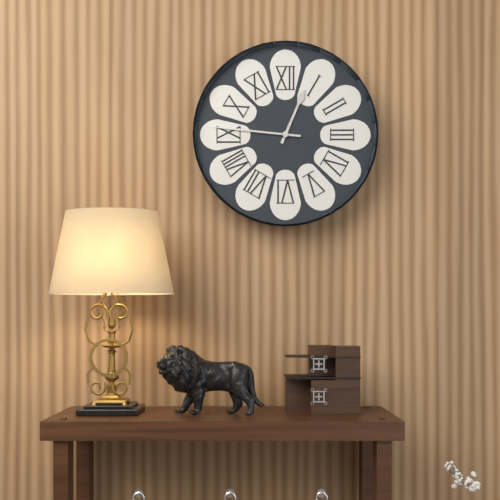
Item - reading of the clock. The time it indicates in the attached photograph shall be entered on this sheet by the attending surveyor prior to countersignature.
12:46
